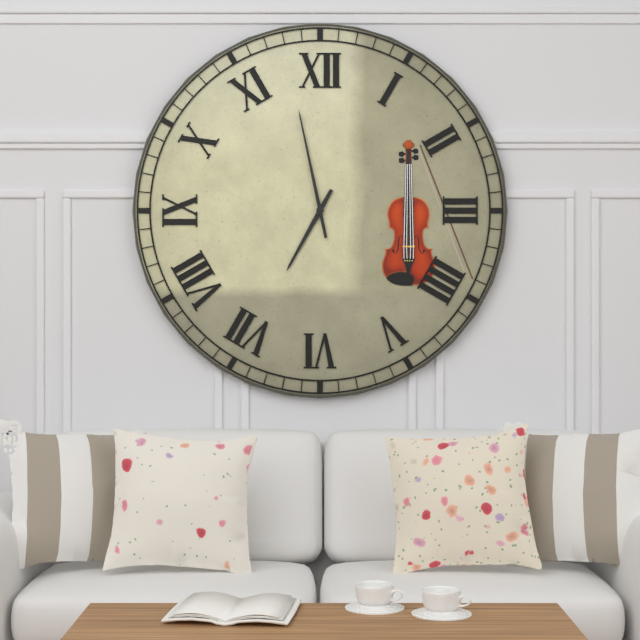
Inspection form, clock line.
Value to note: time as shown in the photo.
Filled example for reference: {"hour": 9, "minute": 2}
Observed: {"hour": 6, "minute": 58}
